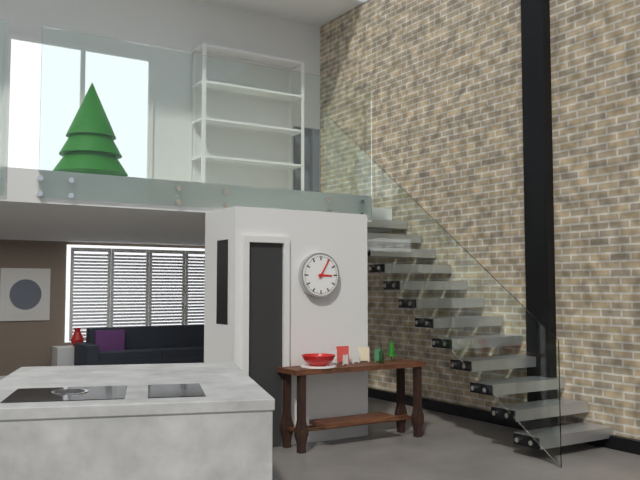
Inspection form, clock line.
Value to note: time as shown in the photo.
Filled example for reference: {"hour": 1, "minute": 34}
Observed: {"hour": 3, "minute": 5}
